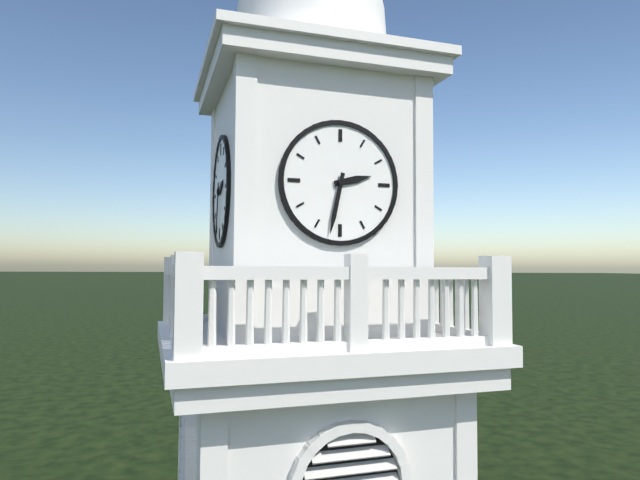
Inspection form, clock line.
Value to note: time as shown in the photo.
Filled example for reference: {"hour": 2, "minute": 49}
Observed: {"hour": 2, "minute": 32}
